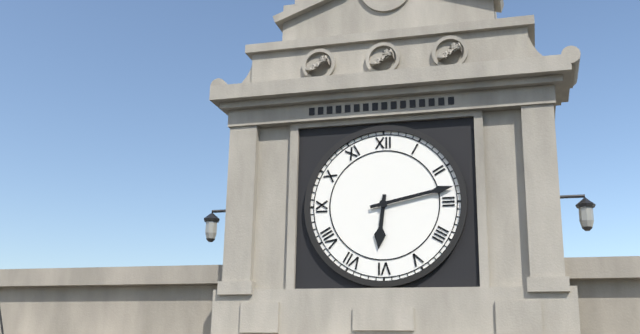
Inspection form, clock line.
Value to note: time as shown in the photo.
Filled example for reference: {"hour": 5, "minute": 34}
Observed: {"hour": 6, "minute": 13}
